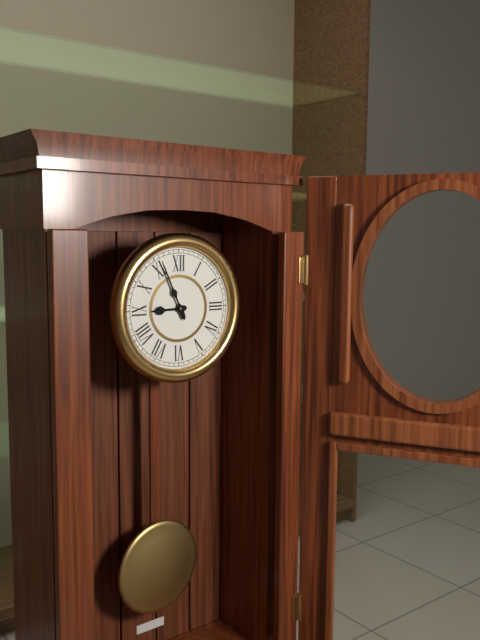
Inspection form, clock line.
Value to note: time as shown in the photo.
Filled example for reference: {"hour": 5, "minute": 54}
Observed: {"hour": 8, "minute": 56}
